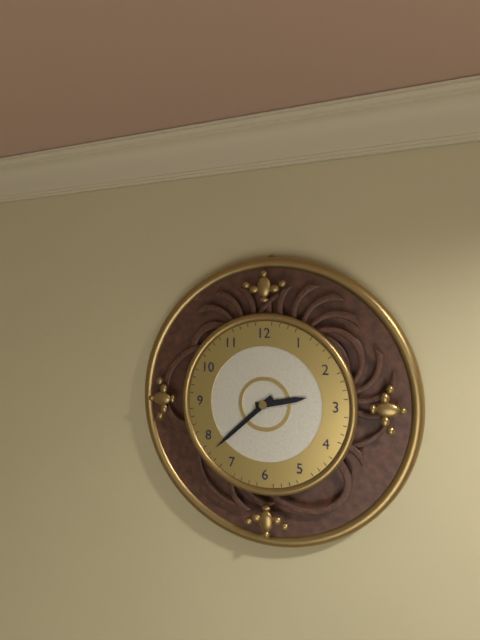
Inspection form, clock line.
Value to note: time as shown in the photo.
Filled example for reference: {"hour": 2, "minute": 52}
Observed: {"hour": 2, "minute": 38}
